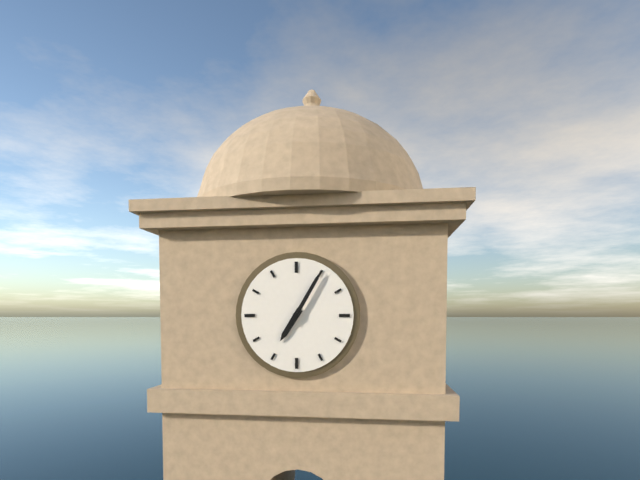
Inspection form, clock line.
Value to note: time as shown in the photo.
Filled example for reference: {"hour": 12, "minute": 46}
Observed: {"hour": 7, "minute": 5}
